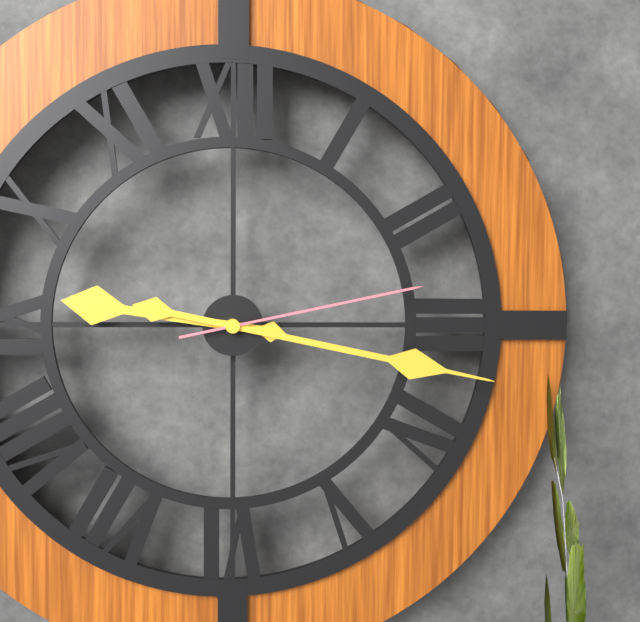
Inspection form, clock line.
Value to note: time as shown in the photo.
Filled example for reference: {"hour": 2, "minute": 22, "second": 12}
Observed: {"hour": 9, "minute": 17, "second": 13}
